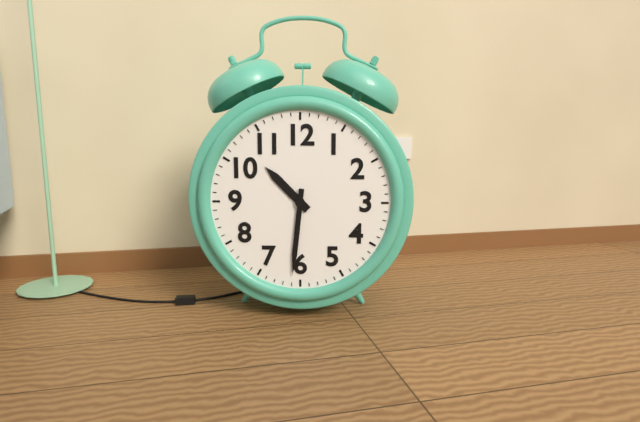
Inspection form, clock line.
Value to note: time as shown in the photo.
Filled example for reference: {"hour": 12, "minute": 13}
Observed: {"hour": 10, "minute": 31}
